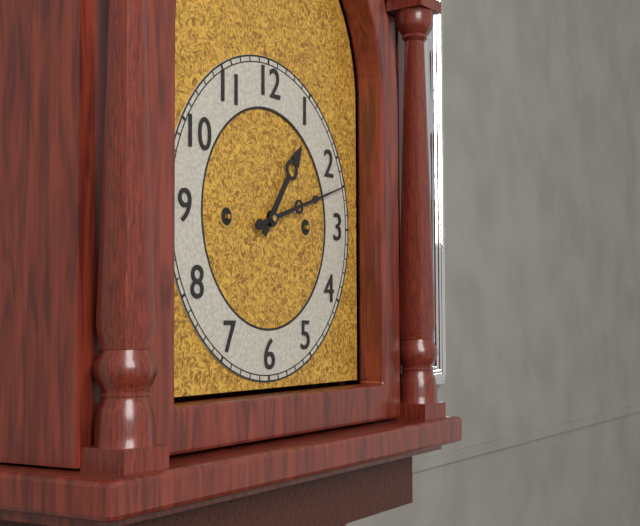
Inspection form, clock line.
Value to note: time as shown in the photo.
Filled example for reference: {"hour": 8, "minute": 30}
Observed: {"hour": 1, "minute": 12}
